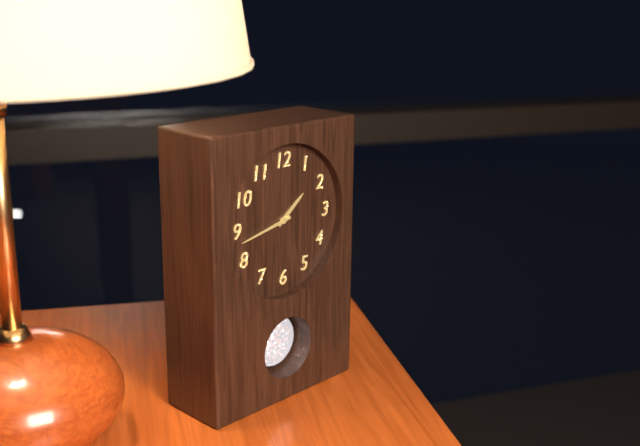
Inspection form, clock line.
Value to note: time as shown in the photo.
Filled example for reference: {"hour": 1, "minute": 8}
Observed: {"hour": 1, "minute": 43}
